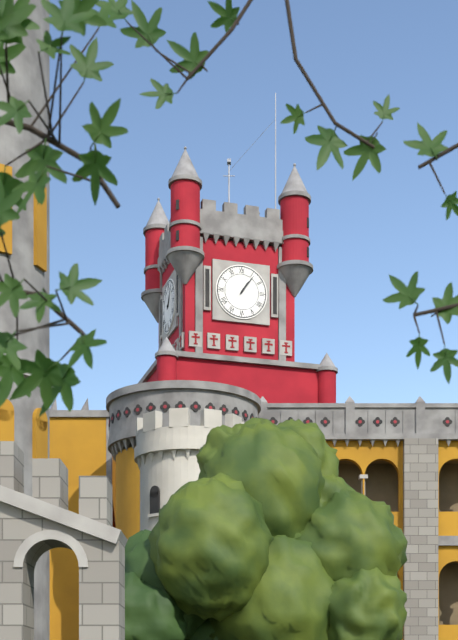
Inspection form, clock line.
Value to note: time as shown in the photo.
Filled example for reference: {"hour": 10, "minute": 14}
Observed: {"hour": 1, "minute": 6}
